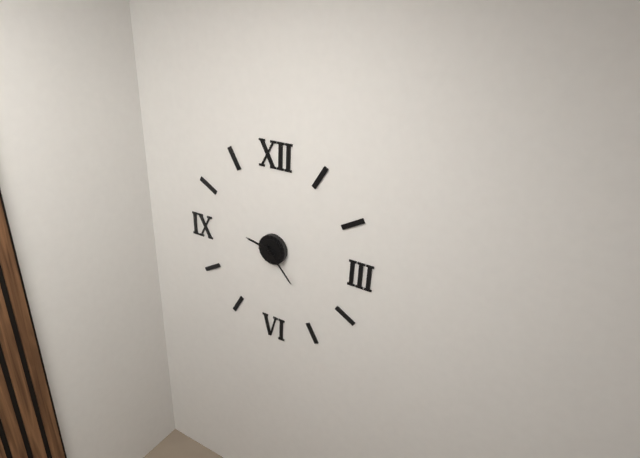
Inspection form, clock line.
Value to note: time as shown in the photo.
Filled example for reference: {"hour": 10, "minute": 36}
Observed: {"hour": 9, "minute": 23}
